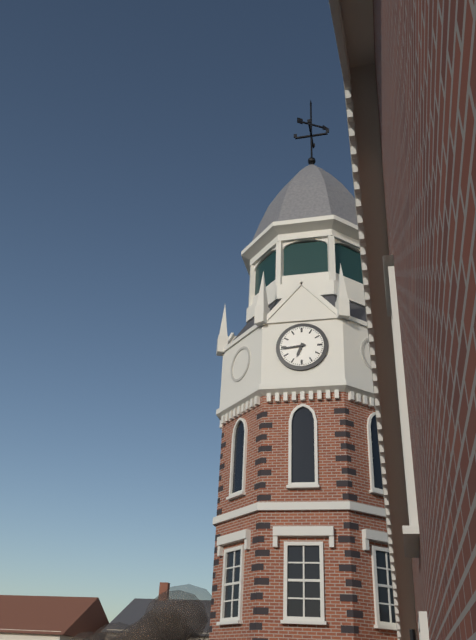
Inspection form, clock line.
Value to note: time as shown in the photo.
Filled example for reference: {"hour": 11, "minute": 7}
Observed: {"hour": 6, "minute": 44}
